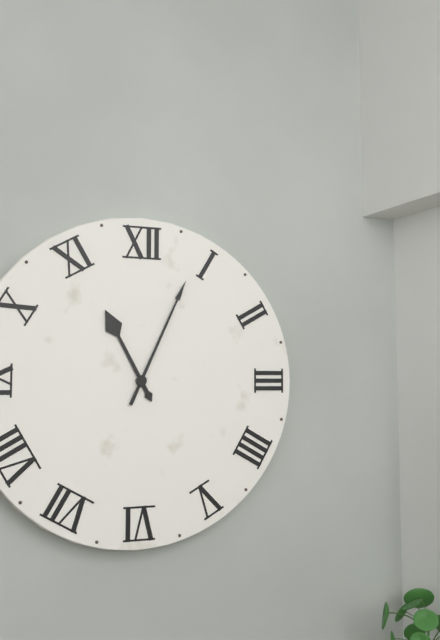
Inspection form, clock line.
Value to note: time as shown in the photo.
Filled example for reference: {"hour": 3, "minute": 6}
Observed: {"hour": 11, "minute": 4}
